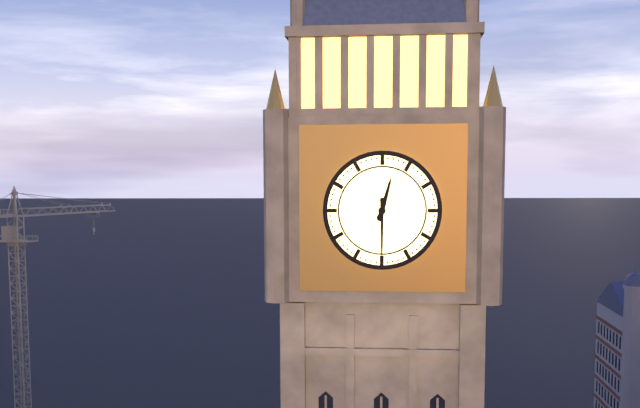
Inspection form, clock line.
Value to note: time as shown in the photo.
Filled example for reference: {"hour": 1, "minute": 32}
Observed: {"hour": 12, "minute": 30}
